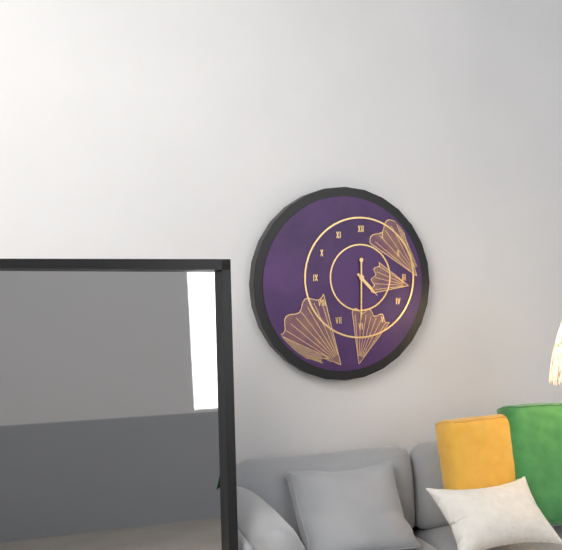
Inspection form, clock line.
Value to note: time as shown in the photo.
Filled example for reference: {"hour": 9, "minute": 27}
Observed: {"hour": 4, "minute": 30}
